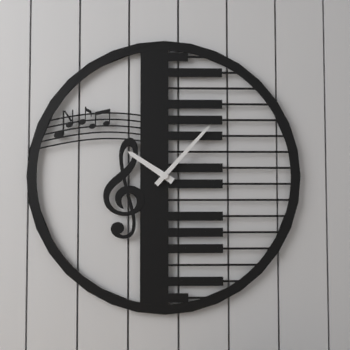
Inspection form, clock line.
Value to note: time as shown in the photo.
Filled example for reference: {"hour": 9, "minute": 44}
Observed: {"hour": 10, "minute": 7}
